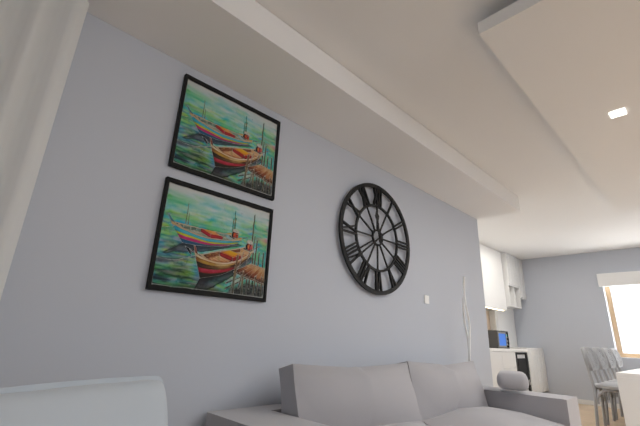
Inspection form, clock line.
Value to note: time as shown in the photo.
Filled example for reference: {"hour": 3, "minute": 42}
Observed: {"hour": 11, "minute": 39}
